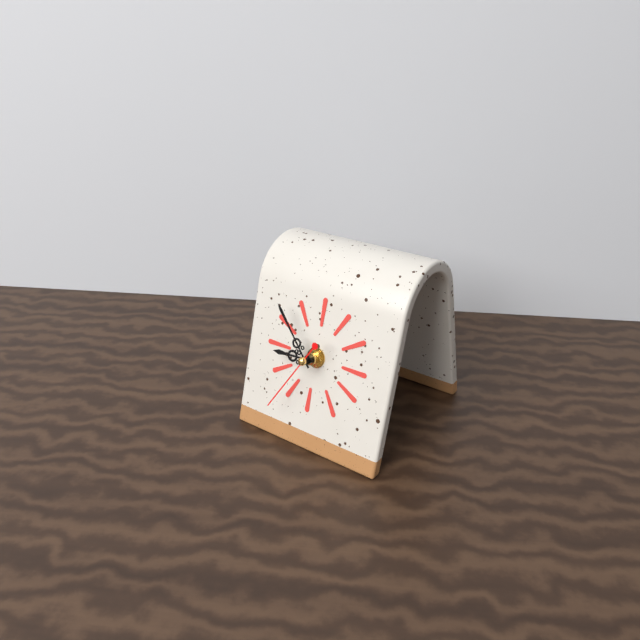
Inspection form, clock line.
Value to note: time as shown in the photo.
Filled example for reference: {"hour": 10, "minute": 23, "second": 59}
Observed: {"hour": 8, "minute": 53, "second": 35}
